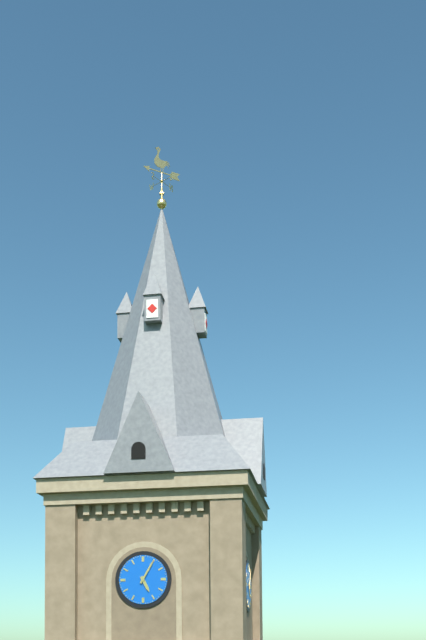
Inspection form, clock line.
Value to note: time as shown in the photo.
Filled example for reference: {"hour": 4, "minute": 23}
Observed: {"hour": 5, "minute": 5}
